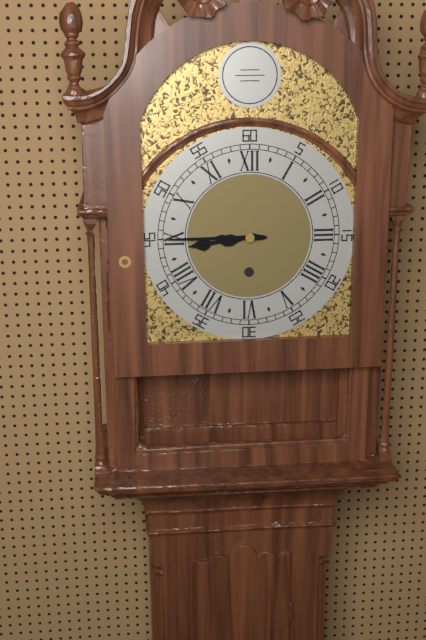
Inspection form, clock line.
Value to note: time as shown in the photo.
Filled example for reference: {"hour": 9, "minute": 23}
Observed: {"hour": 8, "minute": 45}
